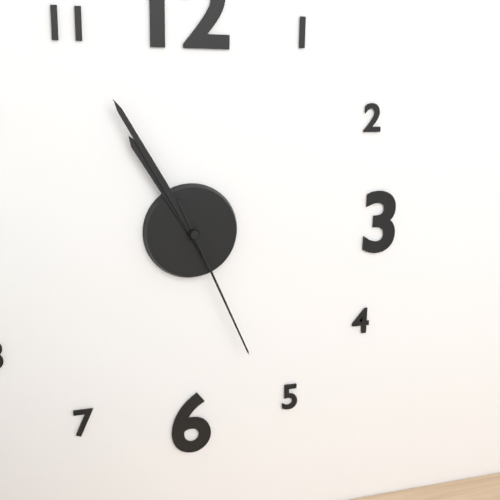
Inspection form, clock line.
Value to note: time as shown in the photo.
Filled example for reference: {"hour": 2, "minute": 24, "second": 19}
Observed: {"hour": 10, "minute": 55, "second": 26}
